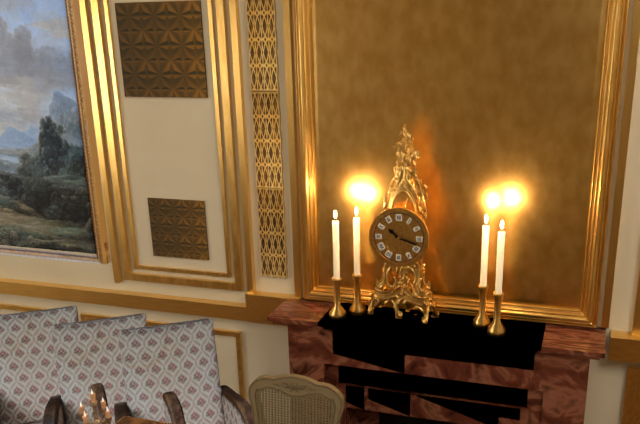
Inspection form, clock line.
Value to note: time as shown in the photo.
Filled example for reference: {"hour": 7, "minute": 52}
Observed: {"hour": 10, "minute": 18}
